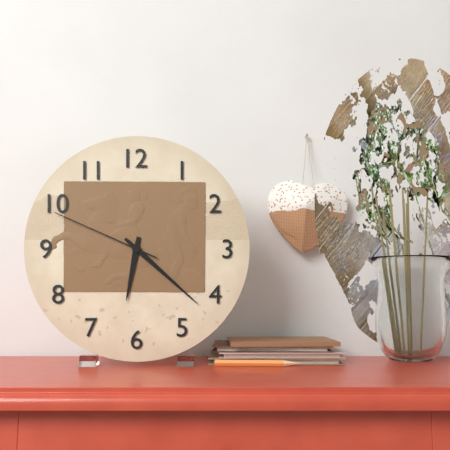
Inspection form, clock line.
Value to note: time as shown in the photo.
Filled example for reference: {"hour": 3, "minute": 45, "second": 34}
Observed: {"hour": 6, "minute": 22, "second": 49}
